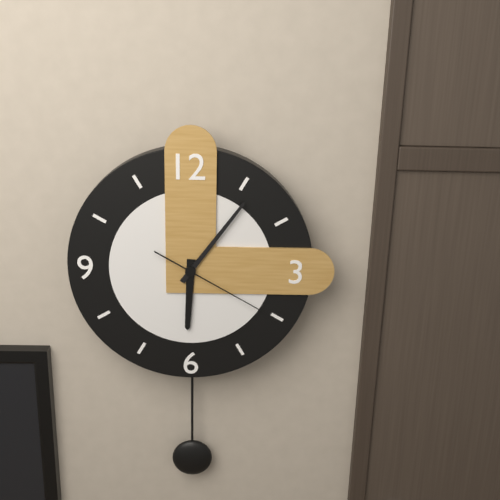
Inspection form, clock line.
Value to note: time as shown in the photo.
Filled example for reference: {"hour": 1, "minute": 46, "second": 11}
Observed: {"hour": 6, "minute": 6, "second": 20}
